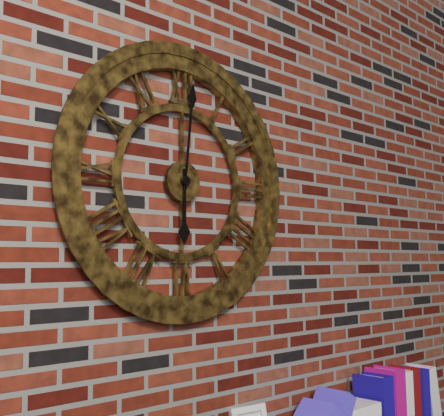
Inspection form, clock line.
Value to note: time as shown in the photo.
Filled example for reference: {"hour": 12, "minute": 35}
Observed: {"hour": 6, "minute": 1}
